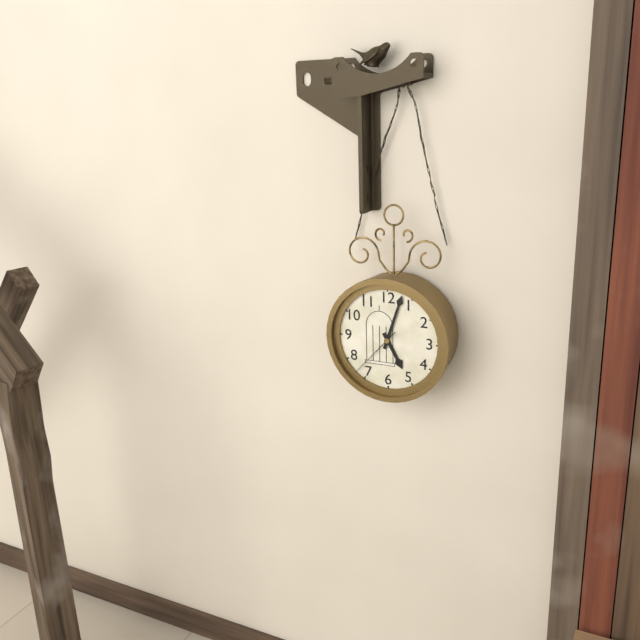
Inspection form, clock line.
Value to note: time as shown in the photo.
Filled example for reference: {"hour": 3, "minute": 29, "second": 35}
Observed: {"hour": 5, "minute": 3, "second": 37}
